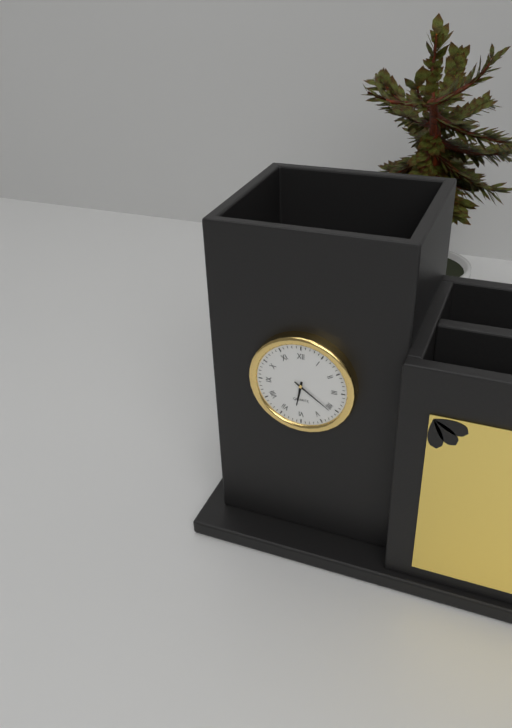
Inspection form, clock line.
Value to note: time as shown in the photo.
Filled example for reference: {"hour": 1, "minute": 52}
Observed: {"hour": 6, "minute": 21}
